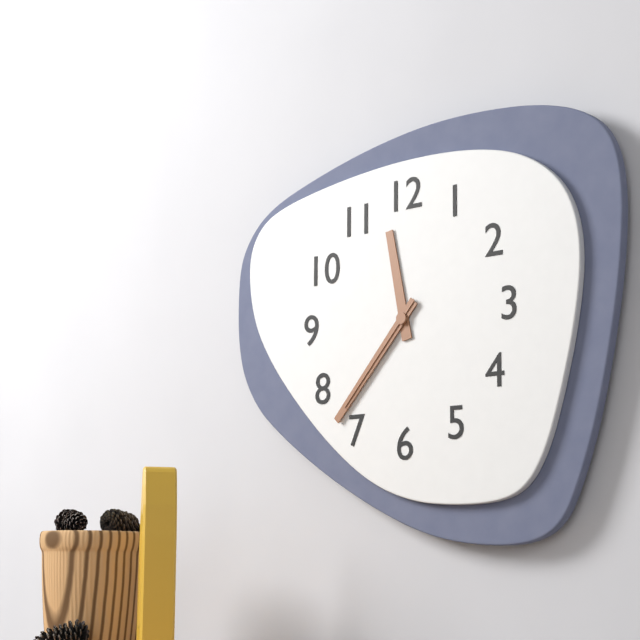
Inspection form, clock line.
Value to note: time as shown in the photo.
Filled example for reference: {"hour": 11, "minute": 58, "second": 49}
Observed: {"hour": 11, "minute": 37, "second": 37}
